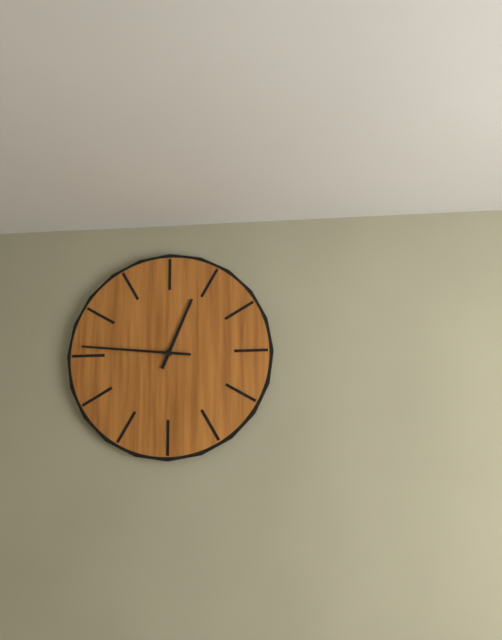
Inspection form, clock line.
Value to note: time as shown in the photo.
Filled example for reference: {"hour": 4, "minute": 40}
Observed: {"hour": 12, "minute": 46}
